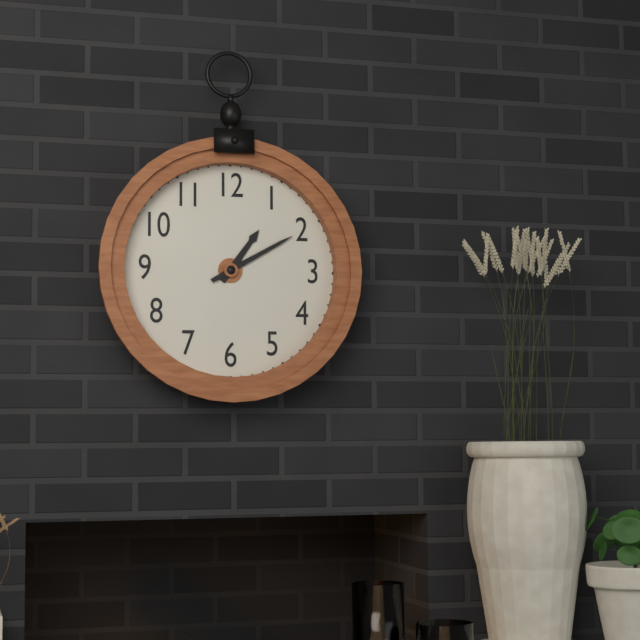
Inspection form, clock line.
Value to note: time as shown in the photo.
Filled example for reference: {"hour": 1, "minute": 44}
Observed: {"hour": 1, "minute": 10}
